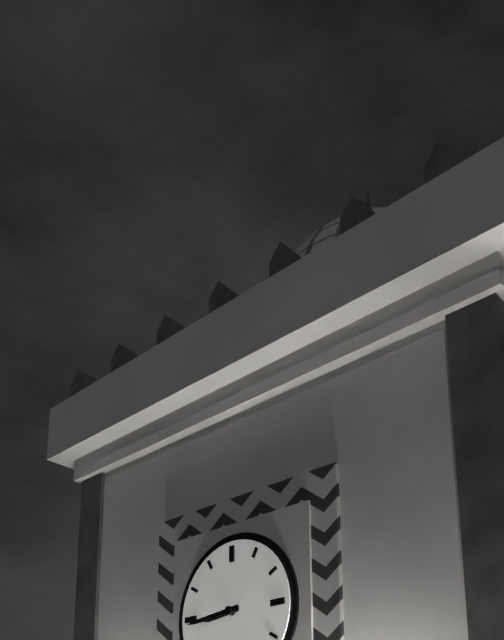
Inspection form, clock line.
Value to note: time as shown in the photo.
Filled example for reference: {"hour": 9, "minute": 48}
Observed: {"hour": 8, "minute": 44}
